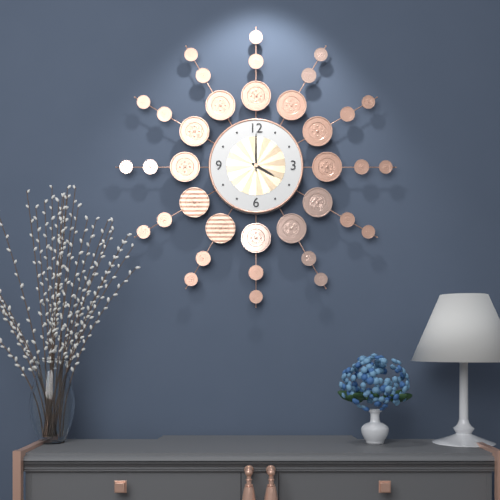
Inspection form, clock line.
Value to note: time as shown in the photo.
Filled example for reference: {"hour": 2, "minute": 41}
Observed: {"hour": 4, "minute": 0}
